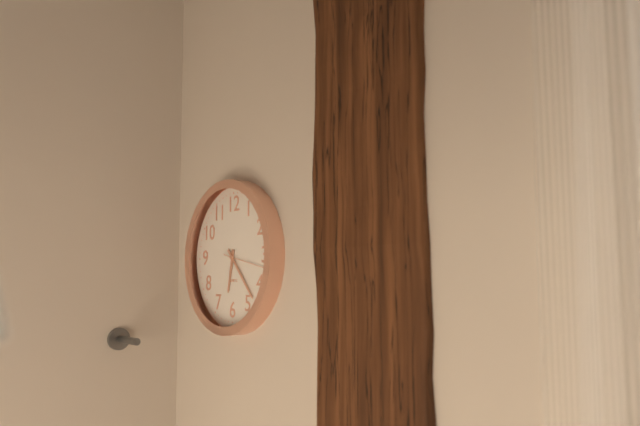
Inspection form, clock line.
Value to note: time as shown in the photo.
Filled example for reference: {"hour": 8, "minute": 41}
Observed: {"hour": 6, "minute": 23}
